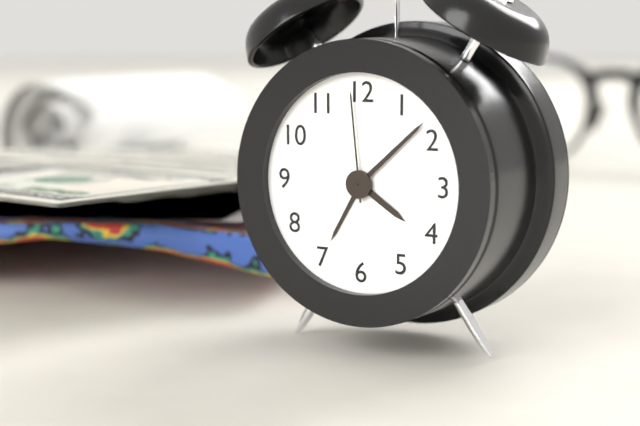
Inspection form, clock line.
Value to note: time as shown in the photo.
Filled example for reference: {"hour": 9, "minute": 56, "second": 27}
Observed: {"hour": 4, "minute": 8, "second": 59}
